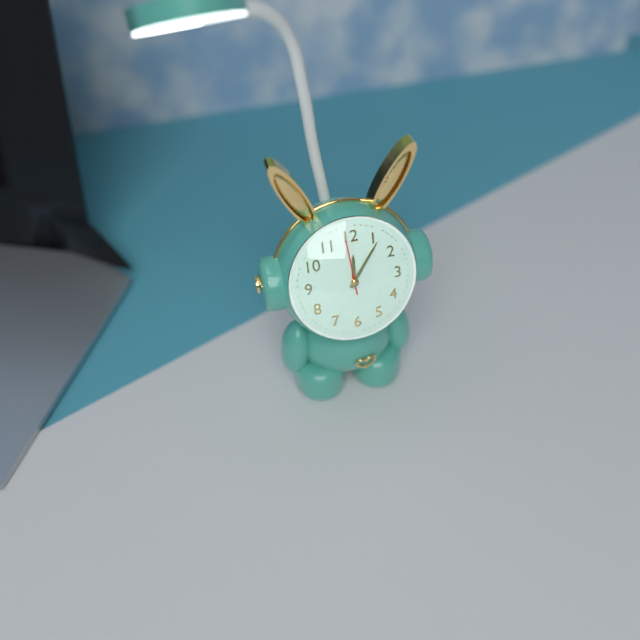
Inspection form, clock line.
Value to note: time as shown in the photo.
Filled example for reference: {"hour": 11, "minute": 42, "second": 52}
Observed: {"hour": 12, "minute": 6, "second": 59}
